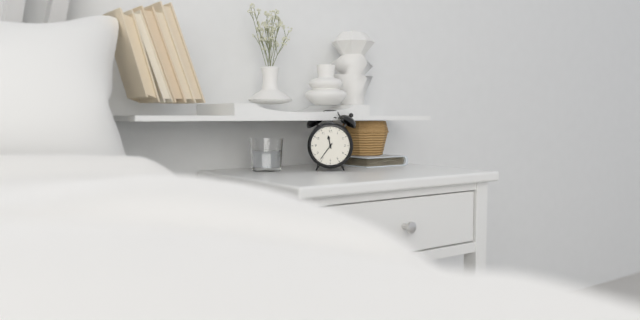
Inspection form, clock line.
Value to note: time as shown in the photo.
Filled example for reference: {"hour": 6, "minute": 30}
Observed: {"hour": 11, "minute": 36}
